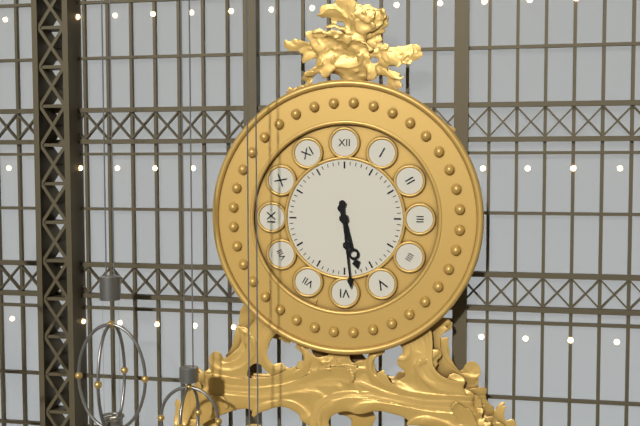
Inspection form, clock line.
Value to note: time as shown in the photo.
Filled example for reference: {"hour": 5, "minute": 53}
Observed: {"hour": 5, "minute": 29}
